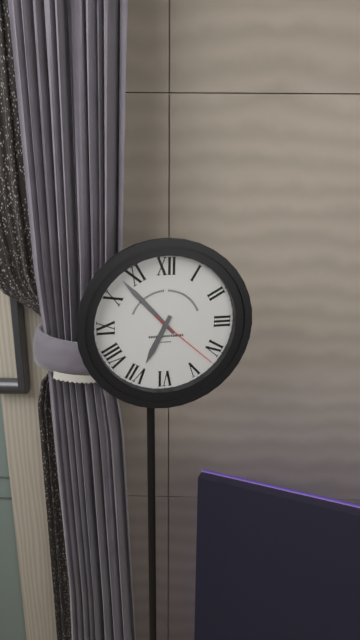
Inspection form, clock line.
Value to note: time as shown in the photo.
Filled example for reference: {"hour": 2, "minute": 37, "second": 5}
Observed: {"hour": 6, "minute": 53, "second": 22}
